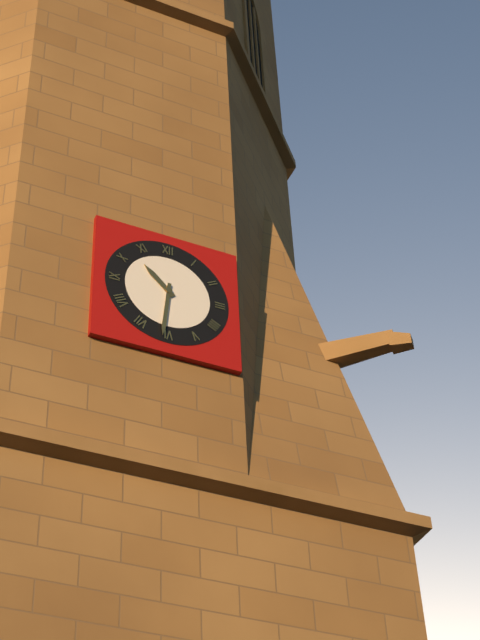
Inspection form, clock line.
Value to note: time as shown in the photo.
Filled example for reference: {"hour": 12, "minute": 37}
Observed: {"hour": 10, "minute": 31}
